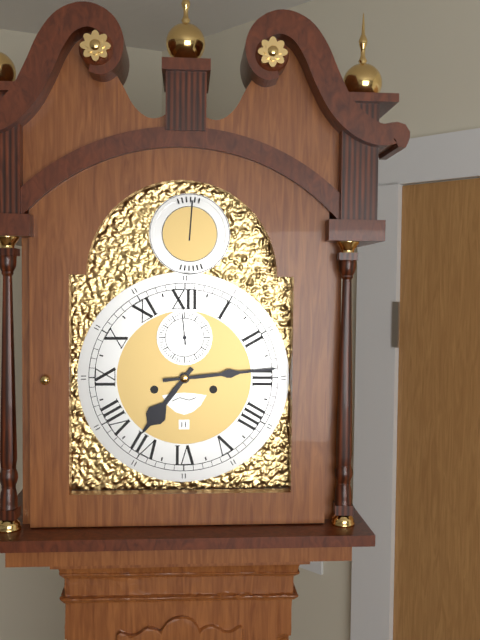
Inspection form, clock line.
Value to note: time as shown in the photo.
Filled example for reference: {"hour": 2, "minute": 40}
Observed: {"hour": 7, "minute": 14}
